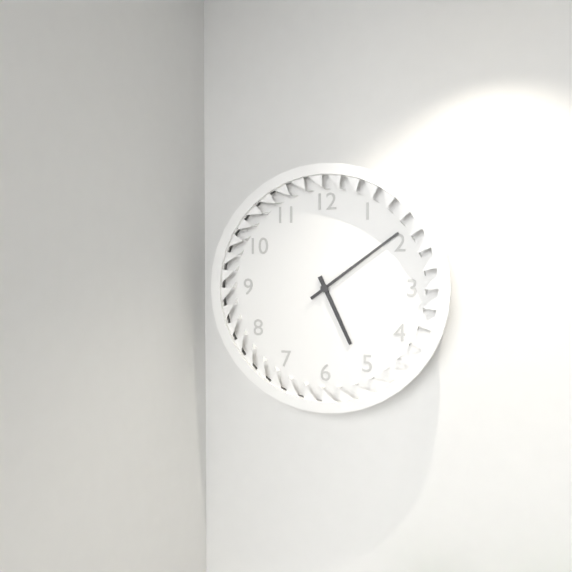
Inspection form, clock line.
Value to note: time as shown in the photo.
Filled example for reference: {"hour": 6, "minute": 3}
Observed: {"hour": 5, "minute": 9}
